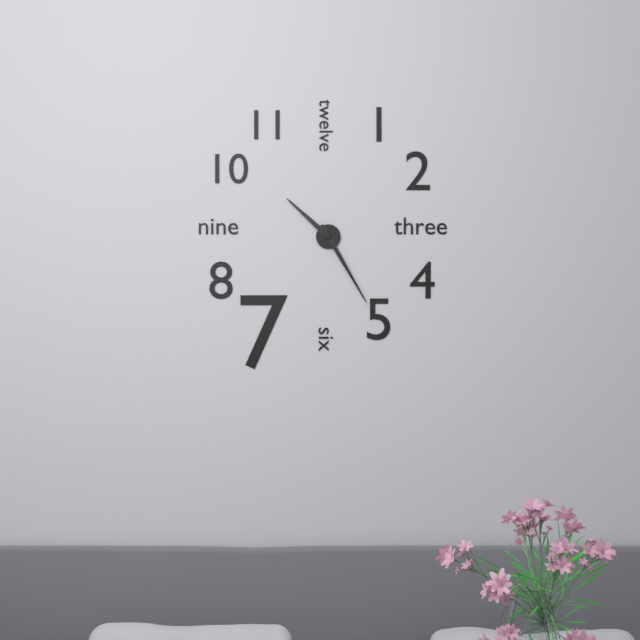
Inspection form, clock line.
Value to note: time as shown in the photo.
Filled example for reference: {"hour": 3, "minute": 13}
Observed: {"hour": 10, "minute": 25}
